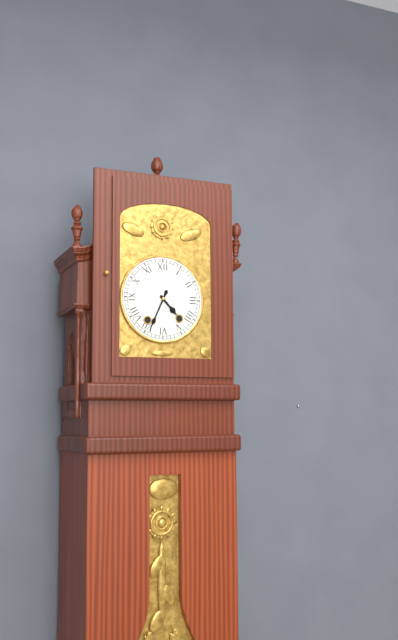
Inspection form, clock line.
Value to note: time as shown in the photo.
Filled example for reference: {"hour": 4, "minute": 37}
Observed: {"hour": 4, "minute": 34}
